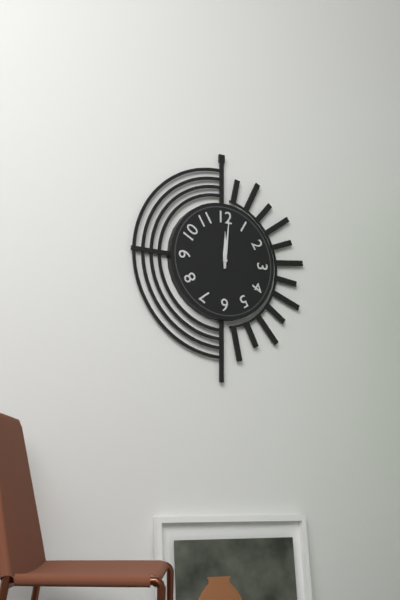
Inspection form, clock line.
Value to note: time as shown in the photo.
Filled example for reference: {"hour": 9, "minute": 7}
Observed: {"hour": 12, "minute": 1}
